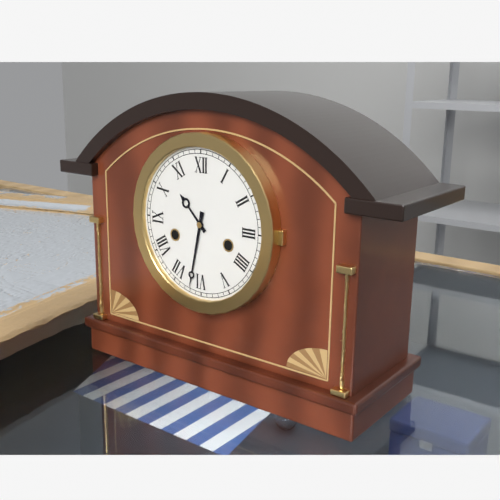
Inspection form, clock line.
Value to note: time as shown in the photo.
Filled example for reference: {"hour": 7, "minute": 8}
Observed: {"hour": 10, "minute": 32}
